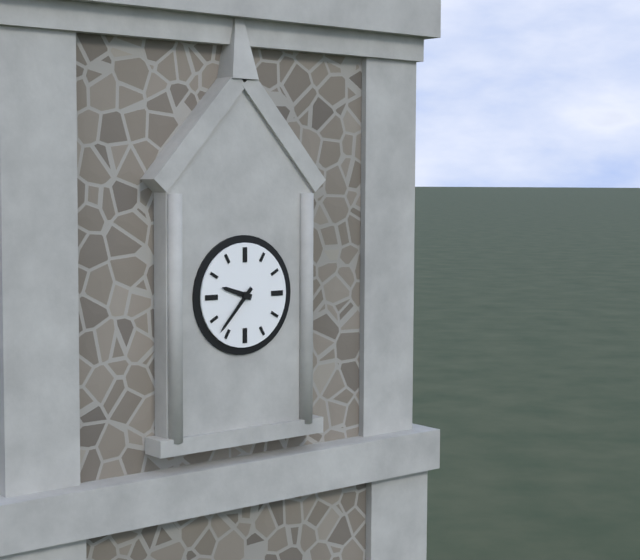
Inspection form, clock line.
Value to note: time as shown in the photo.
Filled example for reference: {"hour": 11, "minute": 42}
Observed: {"hour": 9, "minute": 37}
